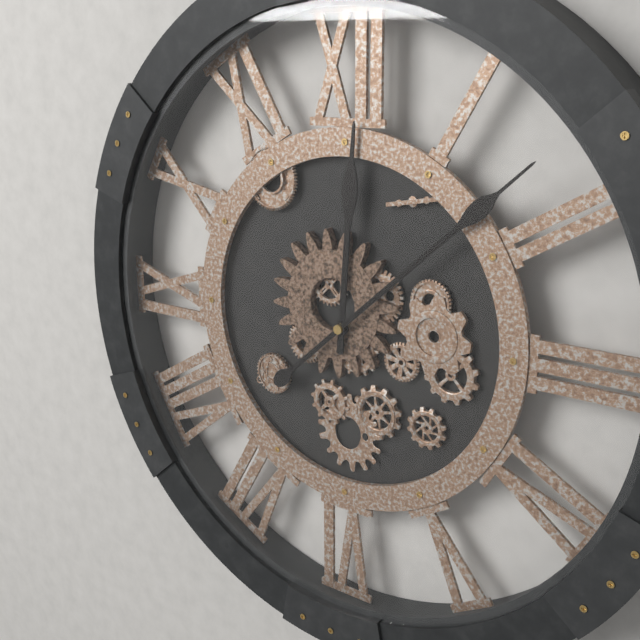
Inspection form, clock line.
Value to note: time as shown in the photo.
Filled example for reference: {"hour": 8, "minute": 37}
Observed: {"hour": 12, "minute": 8}
